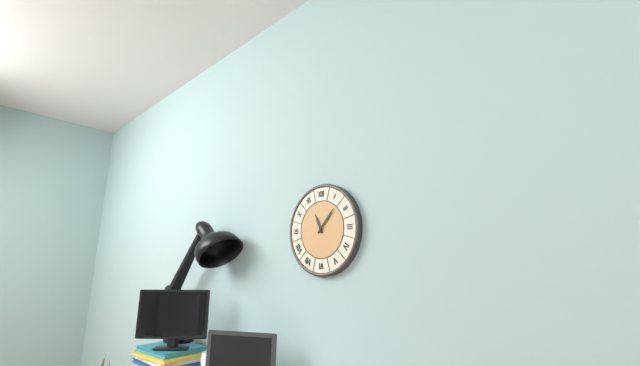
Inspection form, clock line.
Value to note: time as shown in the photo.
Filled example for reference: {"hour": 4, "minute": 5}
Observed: {"hour": 11, "minute": 7}
